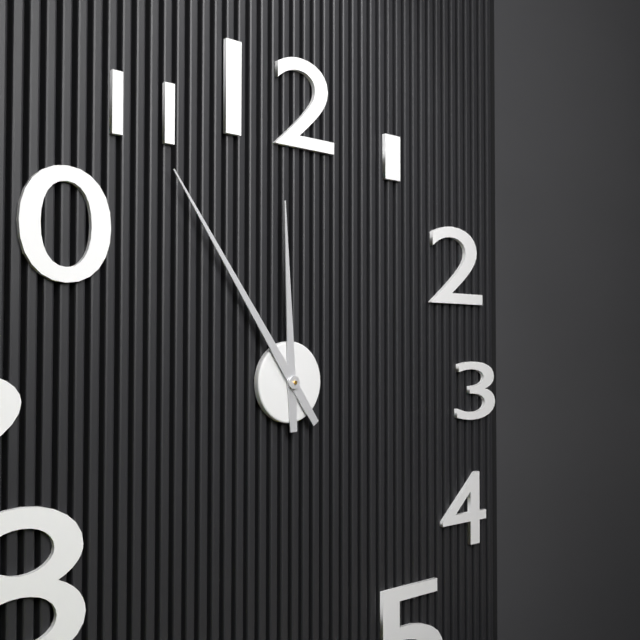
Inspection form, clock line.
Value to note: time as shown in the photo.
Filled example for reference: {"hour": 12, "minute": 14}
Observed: {"hour": 11, "minute": 54}
